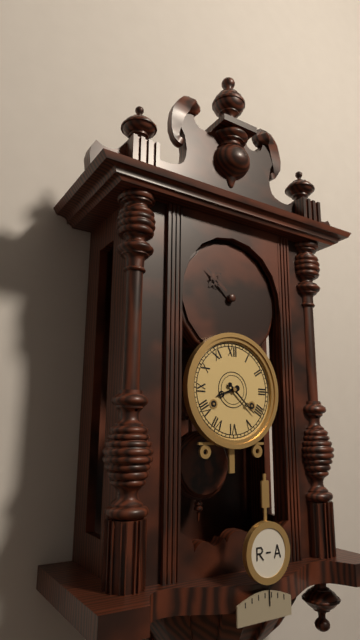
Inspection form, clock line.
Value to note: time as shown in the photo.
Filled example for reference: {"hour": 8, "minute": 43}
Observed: {"hour": 8, "minute": 22}
